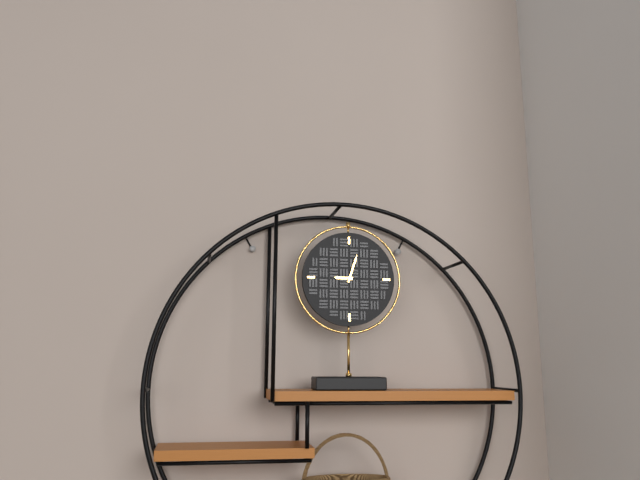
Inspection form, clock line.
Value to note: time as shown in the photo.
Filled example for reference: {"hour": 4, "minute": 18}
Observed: {"hour": 9, "minute": 3}
